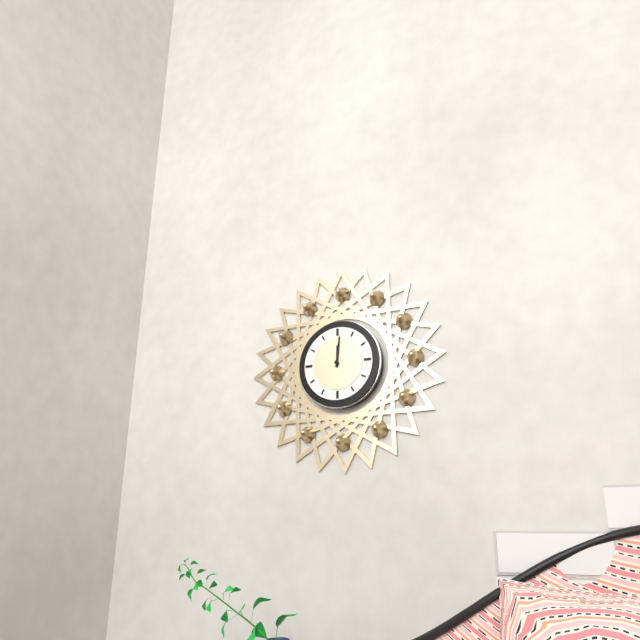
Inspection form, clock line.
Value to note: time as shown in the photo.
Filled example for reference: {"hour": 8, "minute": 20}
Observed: {"hour": 12, "minute": 1}
